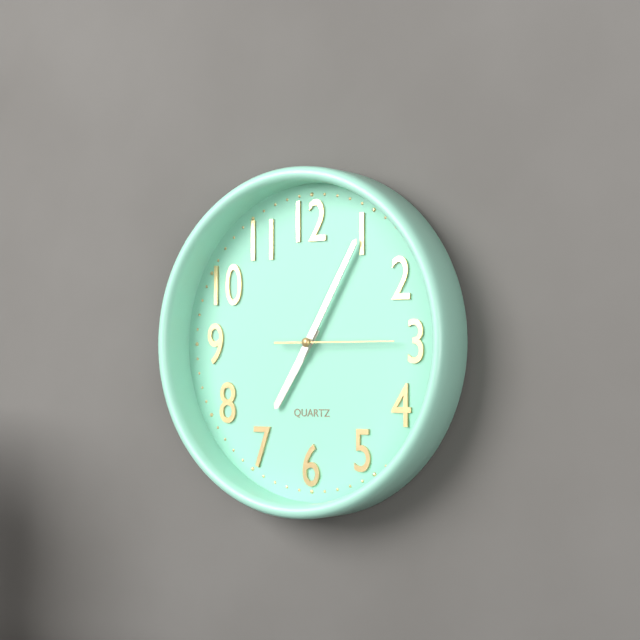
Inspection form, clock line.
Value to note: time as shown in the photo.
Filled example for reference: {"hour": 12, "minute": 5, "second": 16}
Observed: {"hour": 7, "minute": 5, "second": 15}
